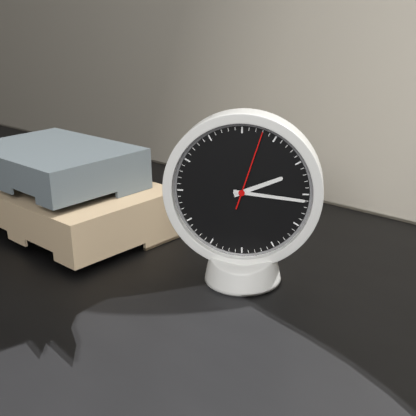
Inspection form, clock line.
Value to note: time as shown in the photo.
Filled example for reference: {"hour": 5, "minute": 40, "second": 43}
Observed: {"hour": 2, "minute": 16, "second": 3}
